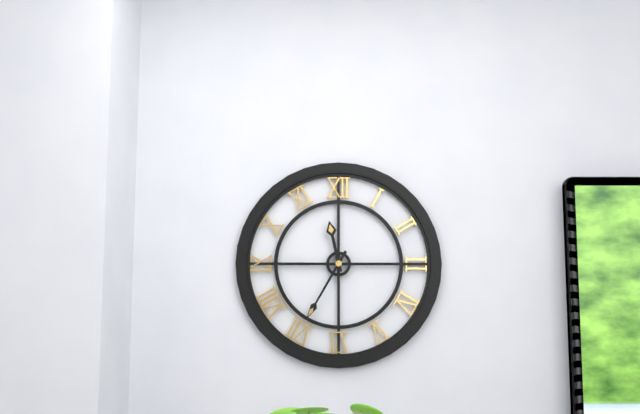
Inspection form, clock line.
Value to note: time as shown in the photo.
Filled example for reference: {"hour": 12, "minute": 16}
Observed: {"hour": 11, "minute": 35}
